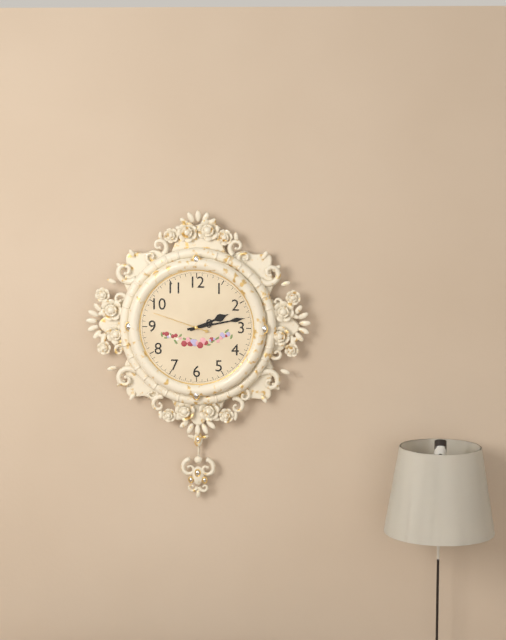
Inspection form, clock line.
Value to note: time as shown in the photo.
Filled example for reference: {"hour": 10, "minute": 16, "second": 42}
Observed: {"hour": 2, "minute": 13, "second": 48}
